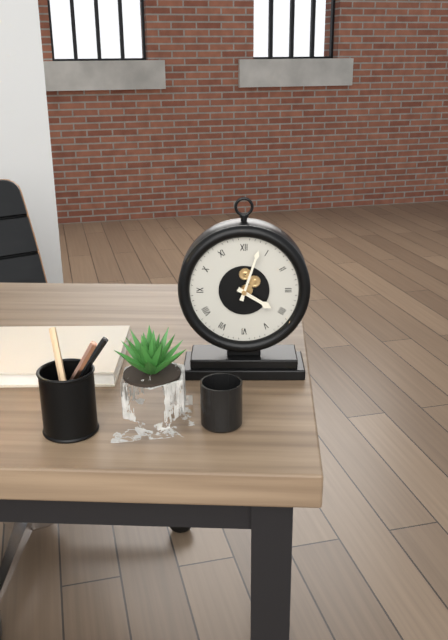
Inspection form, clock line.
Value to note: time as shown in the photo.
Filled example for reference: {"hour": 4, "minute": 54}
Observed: {"hour": 4, "minute": 3}
